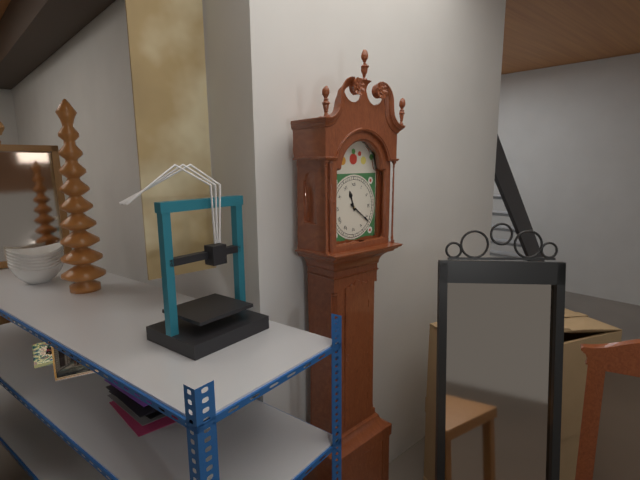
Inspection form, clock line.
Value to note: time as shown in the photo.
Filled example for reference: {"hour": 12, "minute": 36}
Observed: {"hour": 11, "minute": 21}
